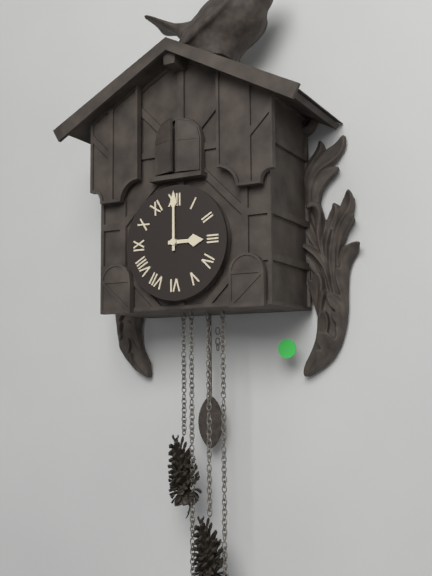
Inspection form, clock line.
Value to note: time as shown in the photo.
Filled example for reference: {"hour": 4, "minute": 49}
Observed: {"hour": 3, "minute": 0}
